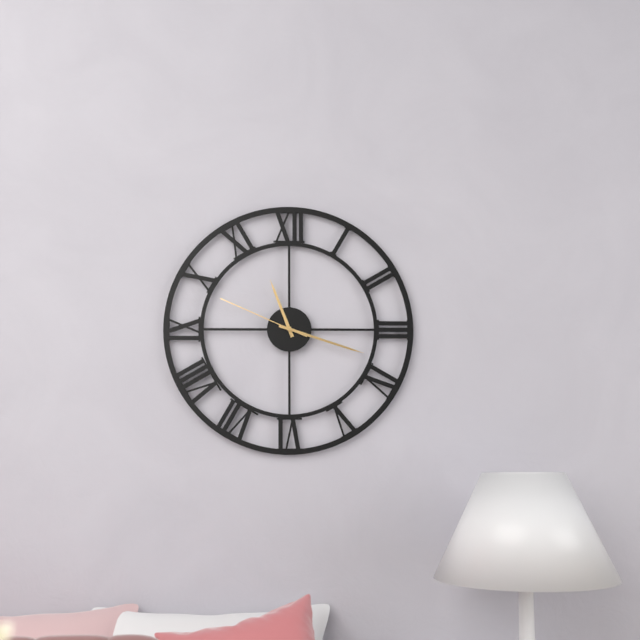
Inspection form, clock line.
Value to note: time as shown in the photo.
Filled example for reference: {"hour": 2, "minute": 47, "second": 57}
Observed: {"hour": 11, "minute": 18, "second": 49}
